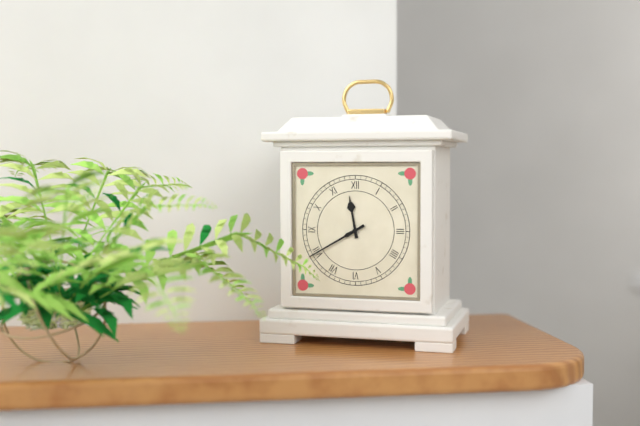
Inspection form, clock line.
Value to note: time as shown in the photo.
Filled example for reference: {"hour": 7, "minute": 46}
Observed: {"hour": 11, "minute": 40}
